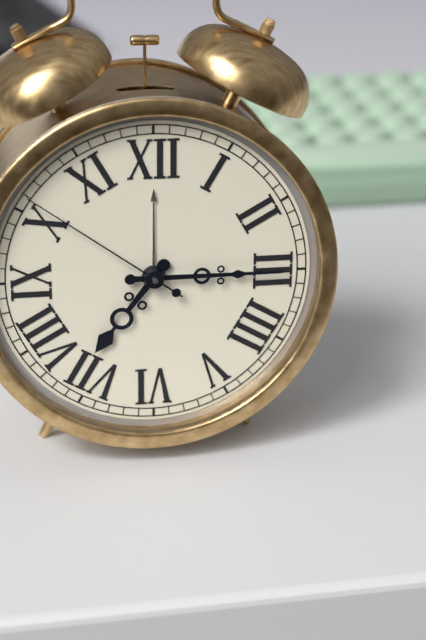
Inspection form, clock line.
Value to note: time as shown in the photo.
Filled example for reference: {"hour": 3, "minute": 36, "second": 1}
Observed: {"hour": 7, "minute": 15, "second": 51}
